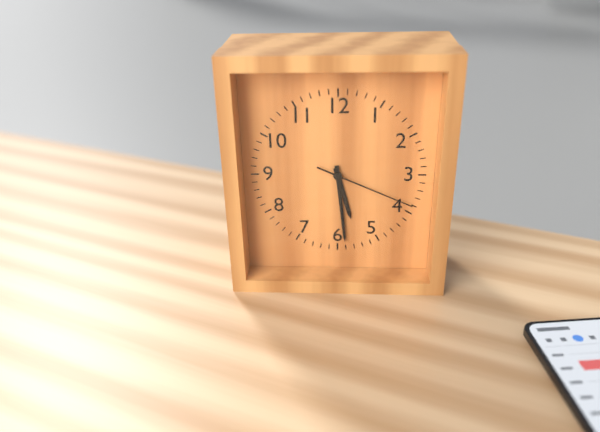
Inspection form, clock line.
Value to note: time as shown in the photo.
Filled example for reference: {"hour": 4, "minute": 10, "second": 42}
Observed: {"hour": 5, "minute": 29, "second": 19}
